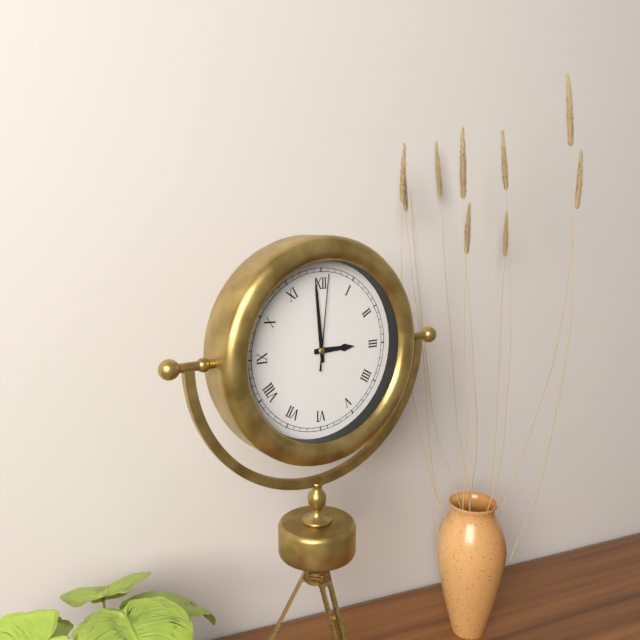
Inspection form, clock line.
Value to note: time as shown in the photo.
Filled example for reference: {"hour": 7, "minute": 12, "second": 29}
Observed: {"hour": 2, "minute": 59, "second": 1}
